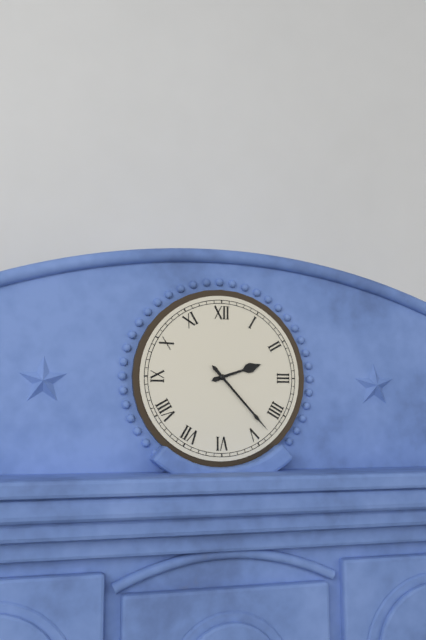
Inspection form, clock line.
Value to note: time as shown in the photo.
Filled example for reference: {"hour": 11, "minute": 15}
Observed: {"hour": 2, "minute": 23}
